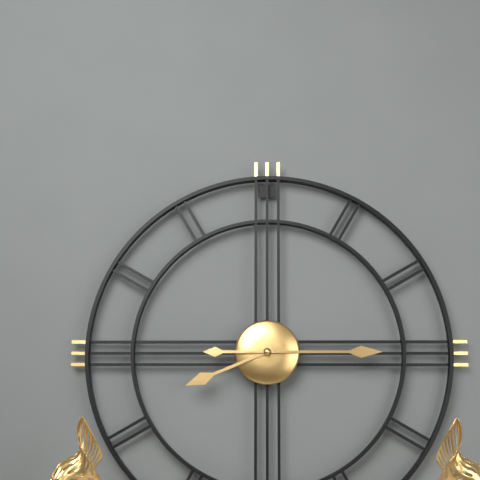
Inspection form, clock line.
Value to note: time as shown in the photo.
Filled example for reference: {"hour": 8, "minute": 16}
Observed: {"hour": 8, "minute": 15}
